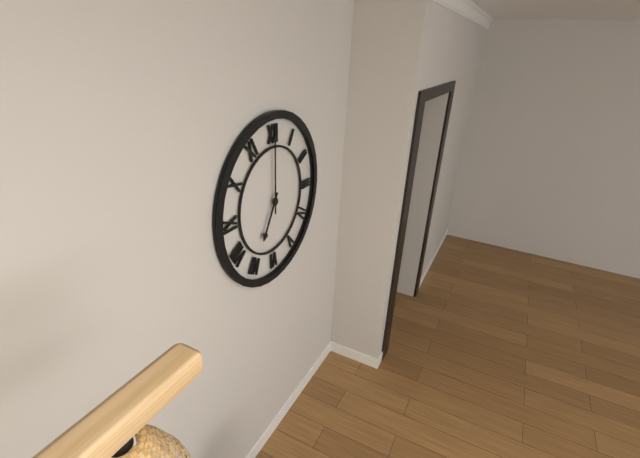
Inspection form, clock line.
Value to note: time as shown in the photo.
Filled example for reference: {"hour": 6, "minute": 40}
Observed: {"hour": 7, "minute": 0}
